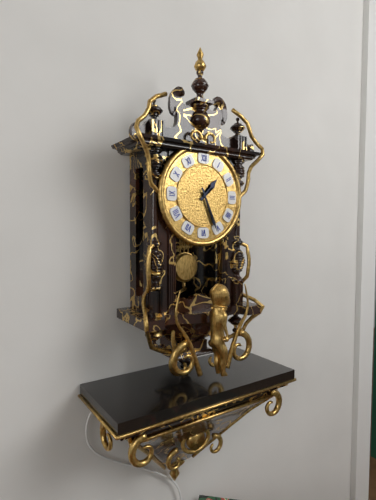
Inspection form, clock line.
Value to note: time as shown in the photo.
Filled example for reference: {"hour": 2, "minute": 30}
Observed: {"hour": 1, "minute": 26}
